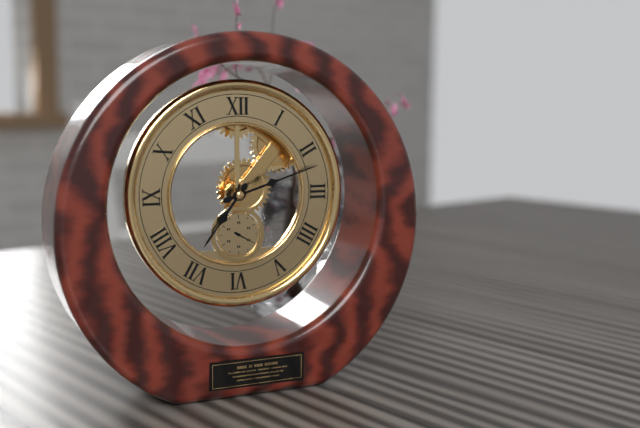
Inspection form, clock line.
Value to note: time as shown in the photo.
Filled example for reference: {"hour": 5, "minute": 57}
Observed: {"hour": 7, "minute": 12}
